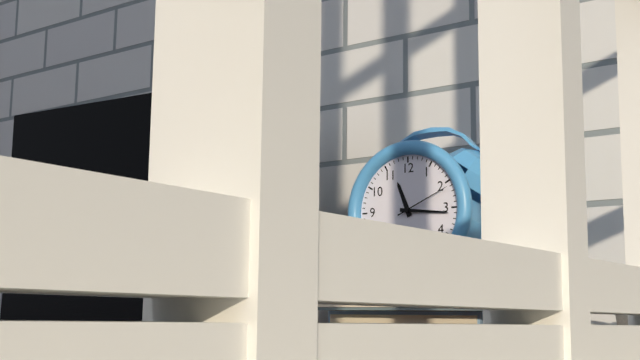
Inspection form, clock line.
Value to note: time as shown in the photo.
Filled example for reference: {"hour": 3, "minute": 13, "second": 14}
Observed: {"hour": 11, "minute": 16, "second": 11}
